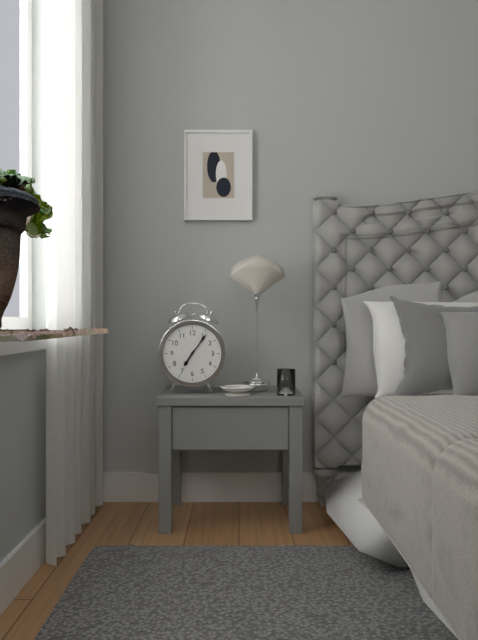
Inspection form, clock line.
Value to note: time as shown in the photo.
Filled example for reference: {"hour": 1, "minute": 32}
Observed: {"hour": 7, "minute": 6}
